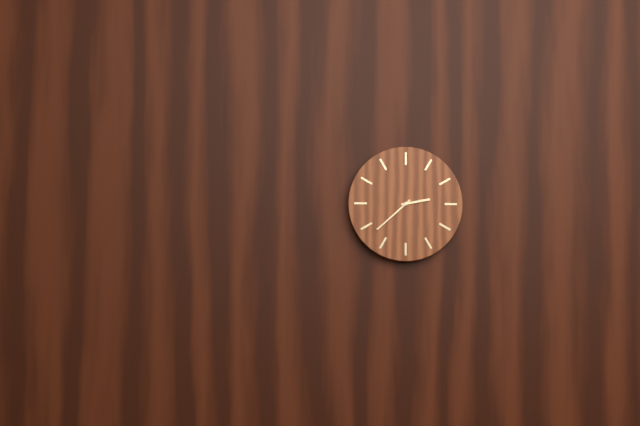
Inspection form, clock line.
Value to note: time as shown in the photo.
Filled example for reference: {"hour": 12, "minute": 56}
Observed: {"hour": 2, "minute": 38}
